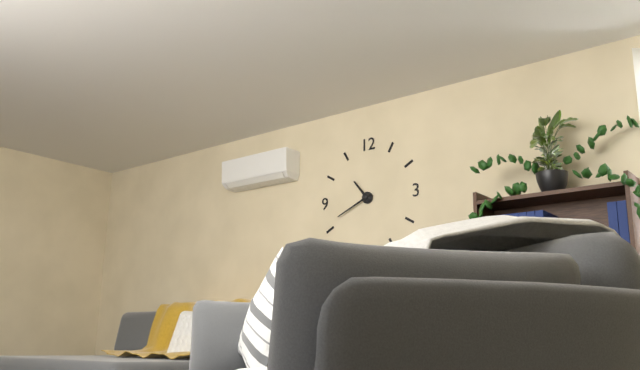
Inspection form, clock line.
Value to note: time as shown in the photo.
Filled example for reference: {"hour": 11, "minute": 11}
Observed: {"hour": 10, "minute": 41}
